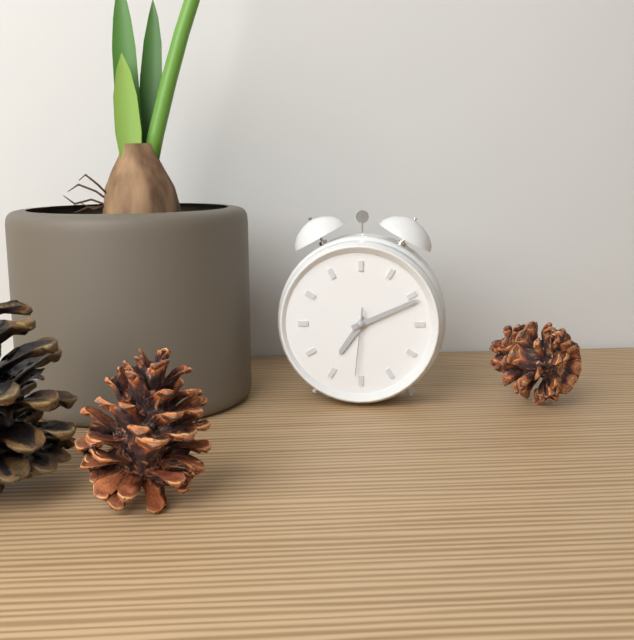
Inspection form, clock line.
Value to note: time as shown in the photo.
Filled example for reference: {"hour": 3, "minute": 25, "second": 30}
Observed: {"hour": 7, "minute": 11, "second": 31}
